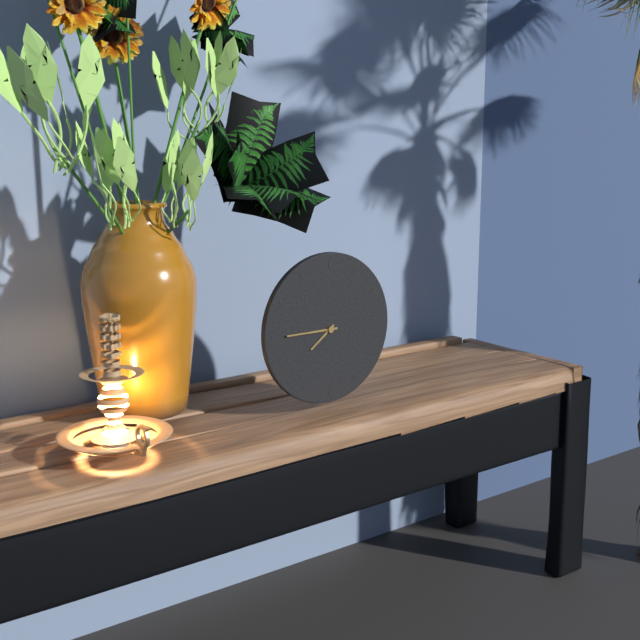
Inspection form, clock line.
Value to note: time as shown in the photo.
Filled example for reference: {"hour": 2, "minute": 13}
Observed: {"hour": 7, "minute": 45}
